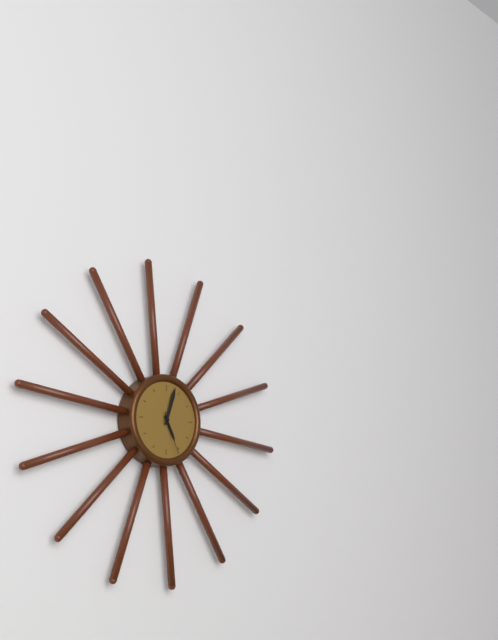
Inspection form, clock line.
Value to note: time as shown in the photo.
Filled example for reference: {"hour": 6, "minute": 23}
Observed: {"hour": 5, "minute": 3}
